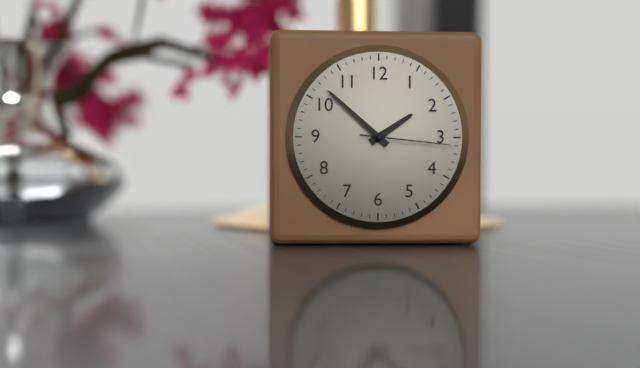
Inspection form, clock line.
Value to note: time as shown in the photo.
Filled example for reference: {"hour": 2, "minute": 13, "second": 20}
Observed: {"hour": 1, "minute": 52, "second": 16}
